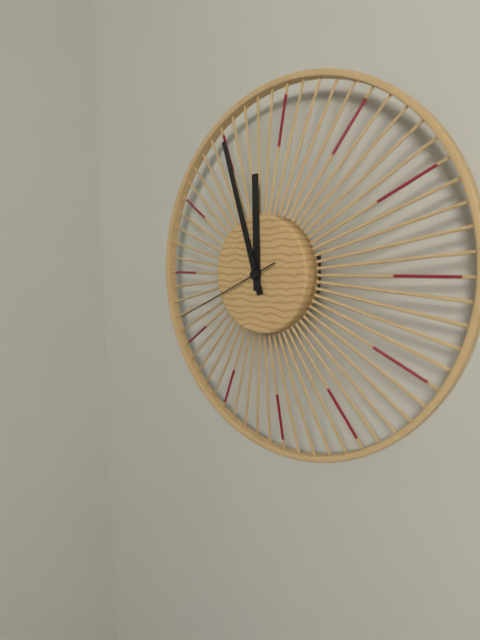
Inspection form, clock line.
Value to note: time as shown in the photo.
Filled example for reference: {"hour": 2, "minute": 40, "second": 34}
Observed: {"hour": 11, "minute": 57, "second": 41}
